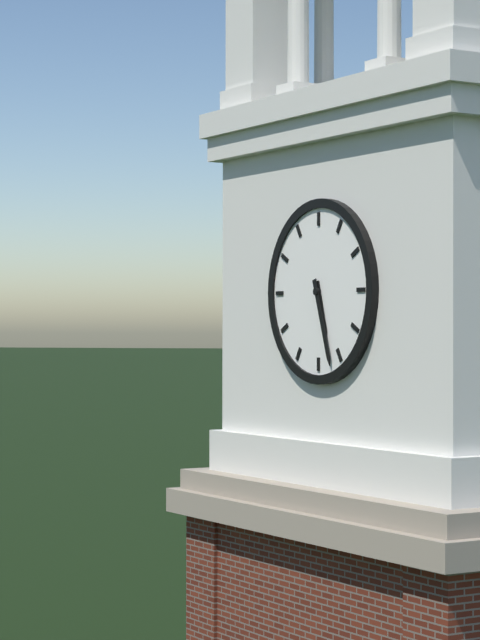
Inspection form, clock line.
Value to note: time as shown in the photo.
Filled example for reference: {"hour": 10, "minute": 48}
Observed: {"hour": 5, "minute": 27}
